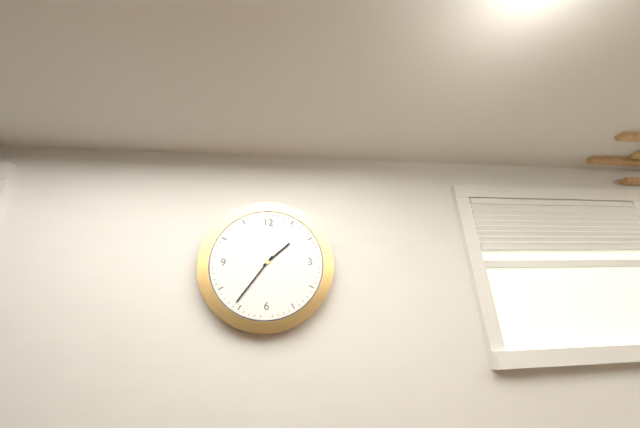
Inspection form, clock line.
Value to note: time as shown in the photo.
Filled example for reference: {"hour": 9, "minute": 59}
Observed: {"hour": 1, "minute": 36}
